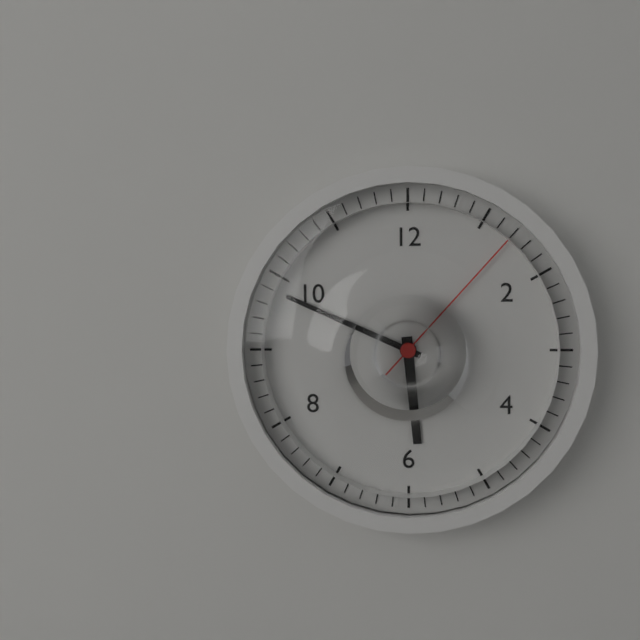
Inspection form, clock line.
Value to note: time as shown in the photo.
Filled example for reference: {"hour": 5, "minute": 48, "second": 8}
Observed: {"hour": 5, "minute": 49, "second": 7}
